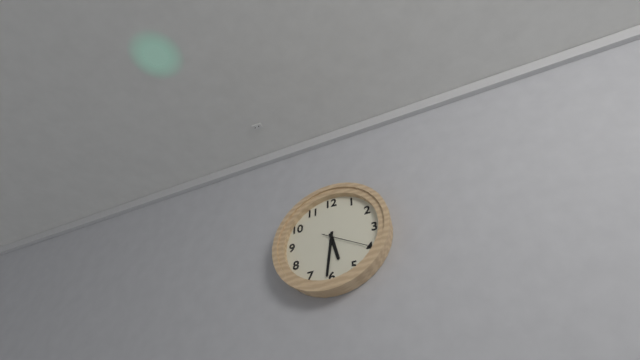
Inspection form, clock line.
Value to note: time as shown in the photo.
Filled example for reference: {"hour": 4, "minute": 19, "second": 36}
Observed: {"hour": 5, "minute": 31, "second": 20}
